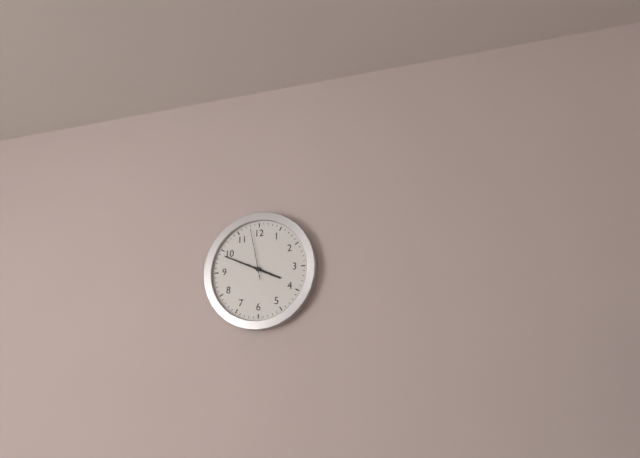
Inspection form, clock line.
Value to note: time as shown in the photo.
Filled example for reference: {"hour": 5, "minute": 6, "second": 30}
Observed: {"hour": 3, "minute": 49, "second": 58}
